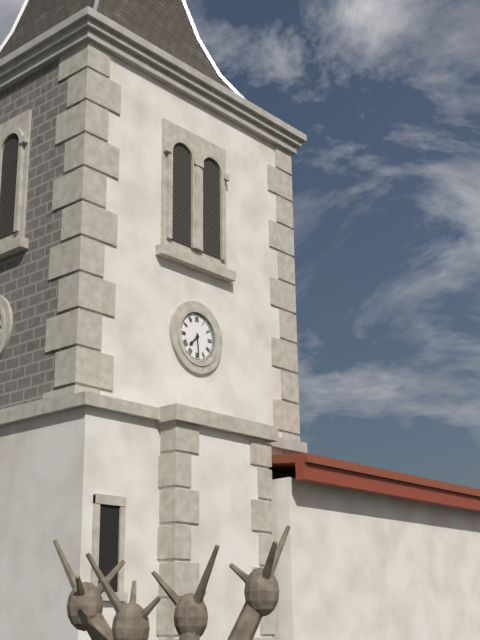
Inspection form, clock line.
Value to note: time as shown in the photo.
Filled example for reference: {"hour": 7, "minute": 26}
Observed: {"hour": 7, "minute": 29}
